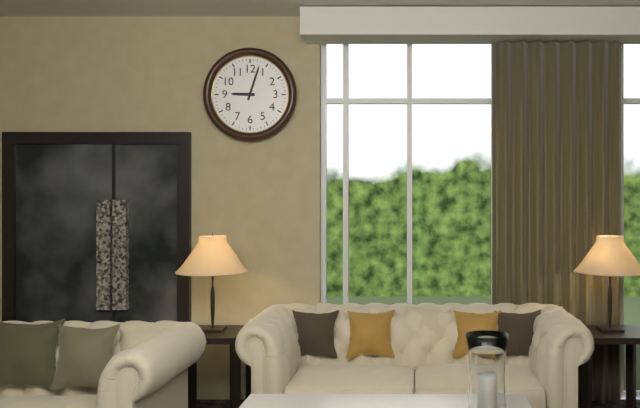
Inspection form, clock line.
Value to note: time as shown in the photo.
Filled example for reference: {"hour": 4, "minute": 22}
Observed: {"hour": 9, "minute": 3}
